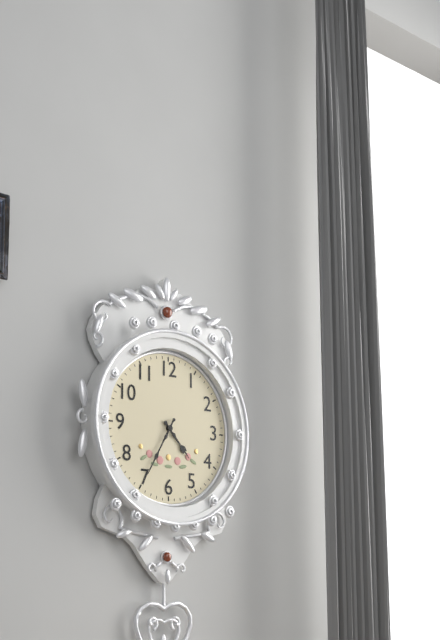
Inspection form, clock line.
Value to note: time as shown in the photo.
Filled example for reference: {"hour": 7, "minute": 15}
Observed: {"hour": 4, "minute": 35}
